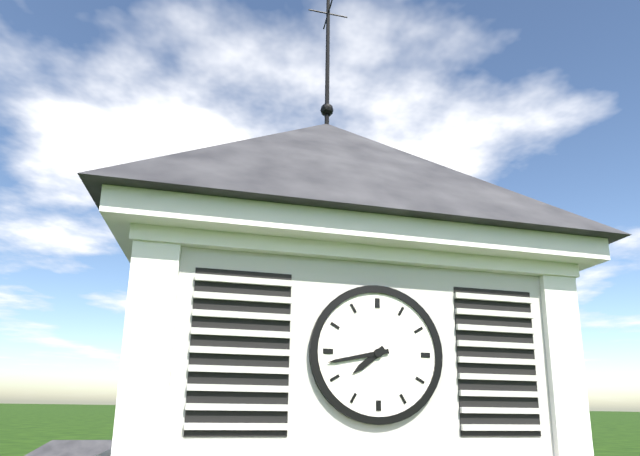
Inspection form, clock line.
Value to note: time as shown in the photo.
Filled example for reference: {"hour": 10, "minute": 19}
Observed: {"hour": 7, "minute": 43}
